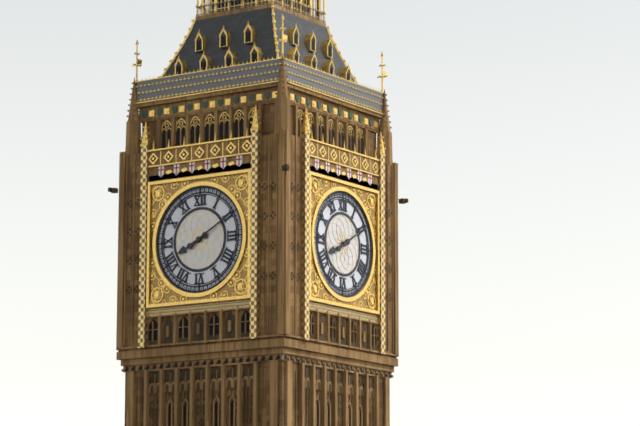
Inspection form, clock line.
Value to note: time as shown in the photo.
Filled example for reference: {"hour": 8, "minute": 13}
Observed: {"hour": 8, "minute": 10}
